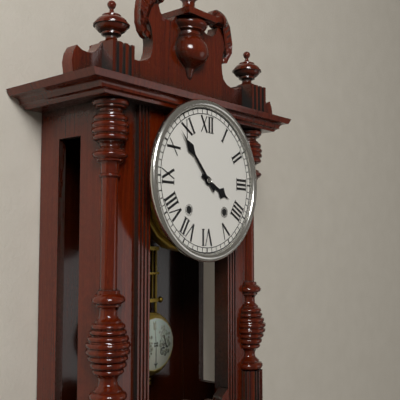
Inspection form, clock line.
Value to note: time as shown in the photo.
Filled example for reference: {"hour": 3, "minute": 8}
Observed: {"hour": 3, "minute": 53}
